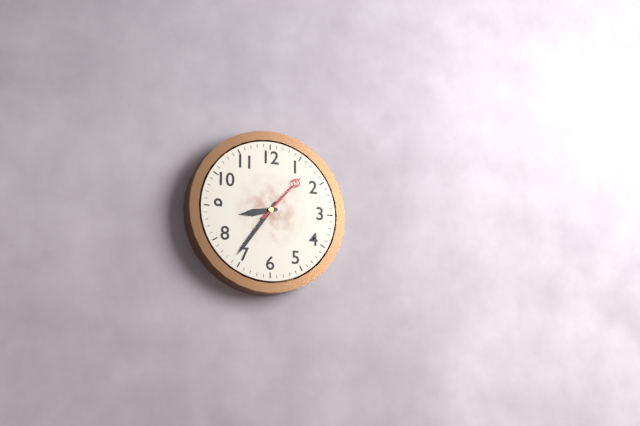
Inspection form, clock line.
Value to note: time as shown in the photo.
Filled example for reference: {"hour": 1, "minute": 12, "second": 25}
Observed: {"hour": 8, "minute": 36, "second": 7}
